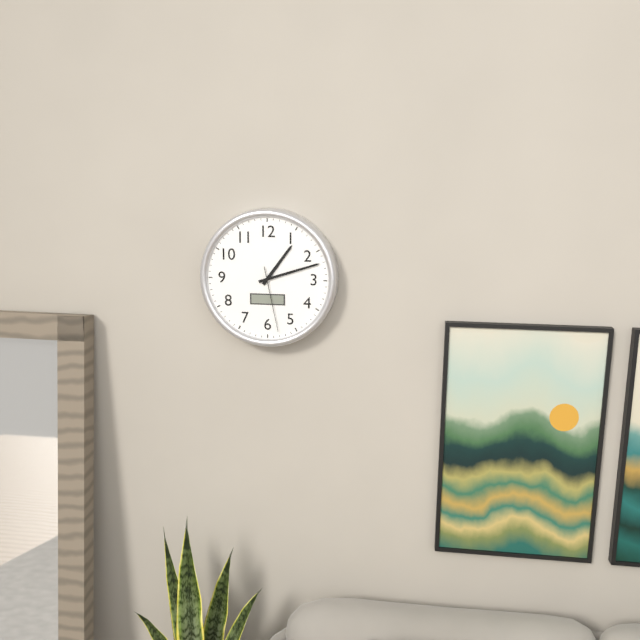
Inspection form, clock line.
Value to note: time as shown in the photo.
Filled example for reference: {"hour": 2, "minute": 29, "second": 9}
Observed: {"hour": 1, "minute": 12, "second": 28}
